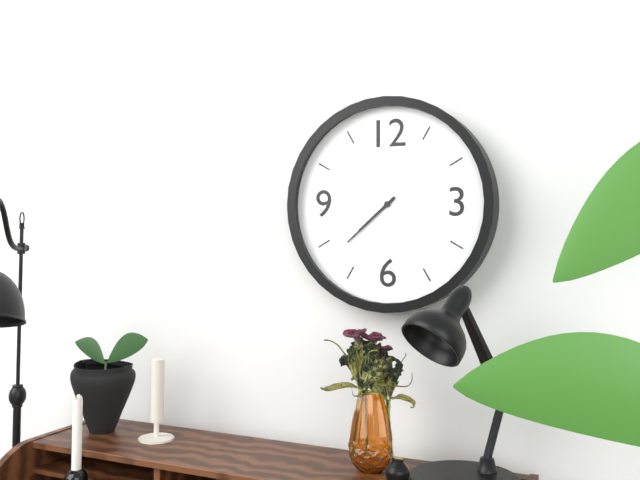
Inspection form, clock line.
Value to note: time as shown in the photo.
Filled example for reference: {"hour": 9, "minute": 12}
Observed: {"hour": 7, "minute": 38}
